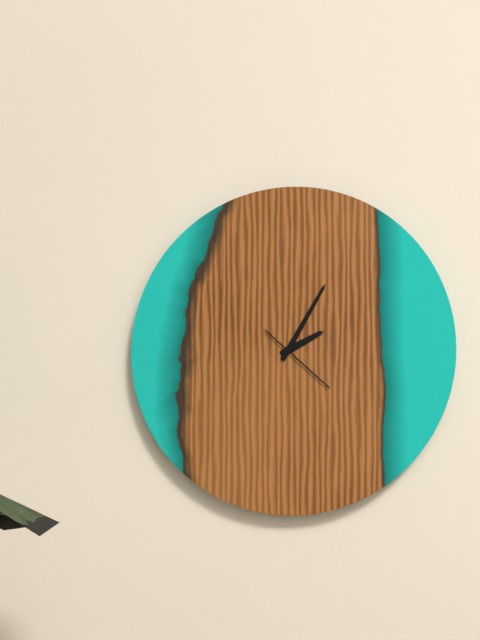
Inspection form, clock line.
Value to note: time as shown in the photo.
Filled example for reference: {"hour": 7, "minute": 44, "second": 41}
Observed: {"hour": 2, "minute": 5, "second": 22}
